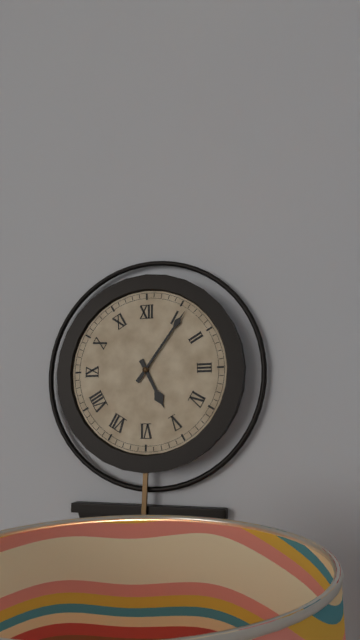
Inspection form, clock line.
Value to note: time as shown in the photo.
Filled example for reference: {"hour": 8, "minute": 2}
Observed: {"hour": 5, "minute": 6}
